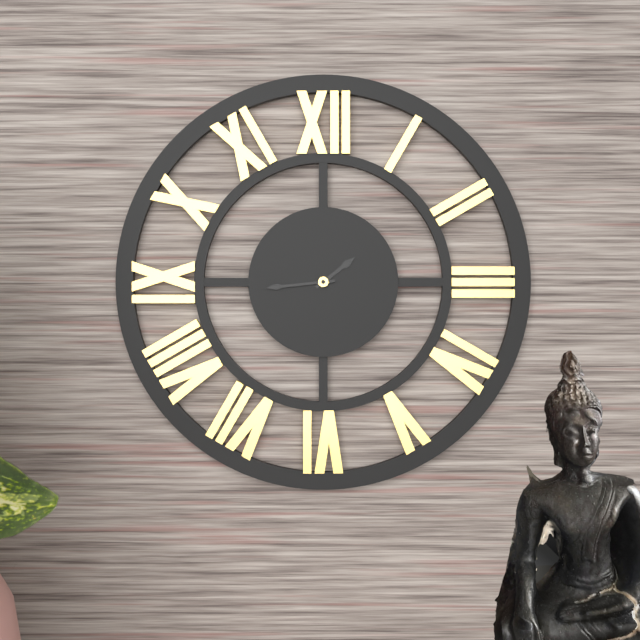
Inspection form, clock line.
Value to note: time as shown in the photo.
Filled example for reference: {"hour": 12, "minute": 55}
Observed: {"hour": 1, "minute": 44}
